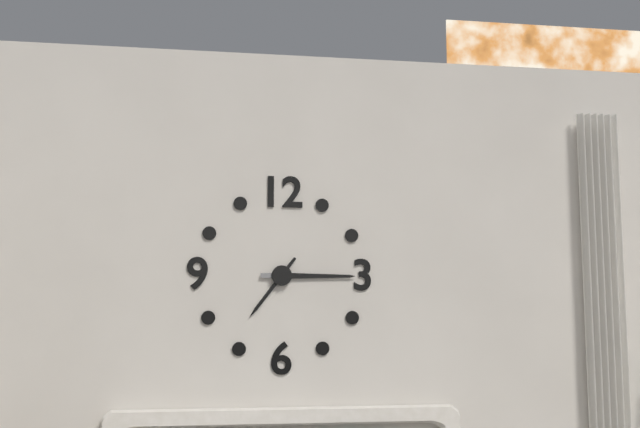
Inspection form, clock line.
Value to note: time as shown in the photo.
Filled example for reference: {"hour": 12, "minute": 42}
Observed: {"hour": 7, "minute": 15}
